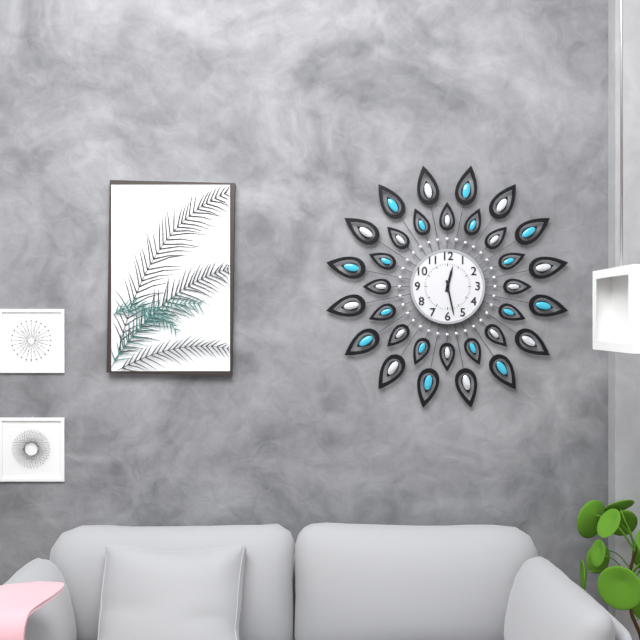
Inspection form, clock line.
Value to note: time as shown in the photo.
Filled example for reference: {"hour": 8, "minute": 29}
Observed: {"hour": 12, "minute": 28}
